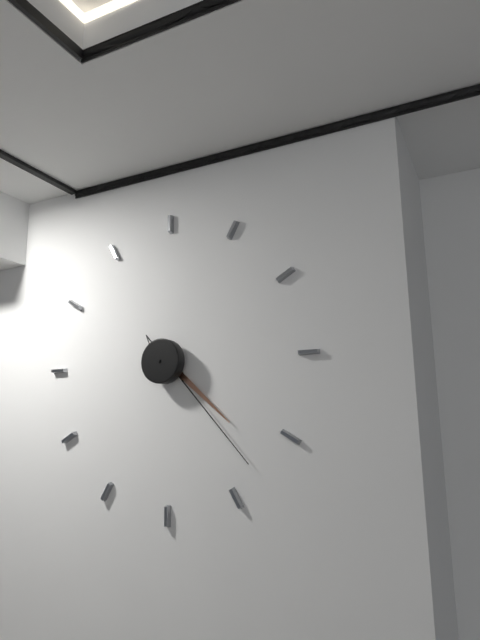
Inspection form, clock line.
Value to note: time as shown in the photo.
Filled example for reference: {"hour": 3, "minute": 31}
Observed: {"hour": 4, "minute": 23}
